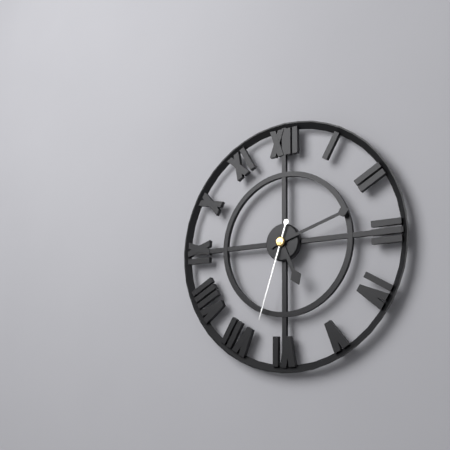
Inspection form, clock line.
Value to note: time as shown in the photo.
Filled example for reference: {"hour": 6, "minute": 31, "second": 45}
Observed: {"hour": 5, "minute": 12, "second": 33}
